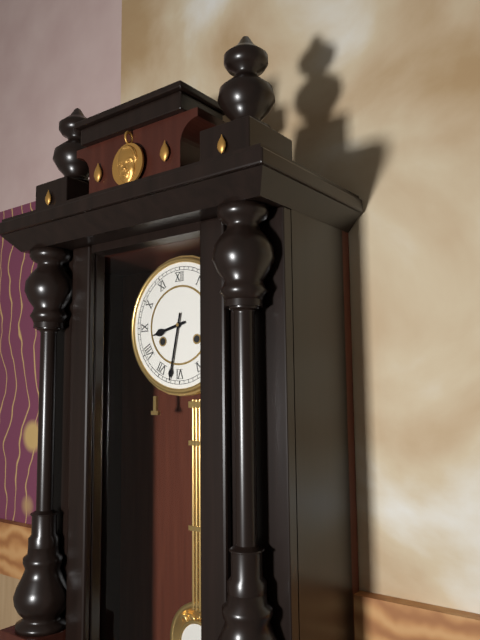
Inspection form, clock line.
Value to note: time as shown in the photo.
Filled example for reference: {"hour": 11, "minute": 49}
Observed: {"hour": 8, "minute": 32}
